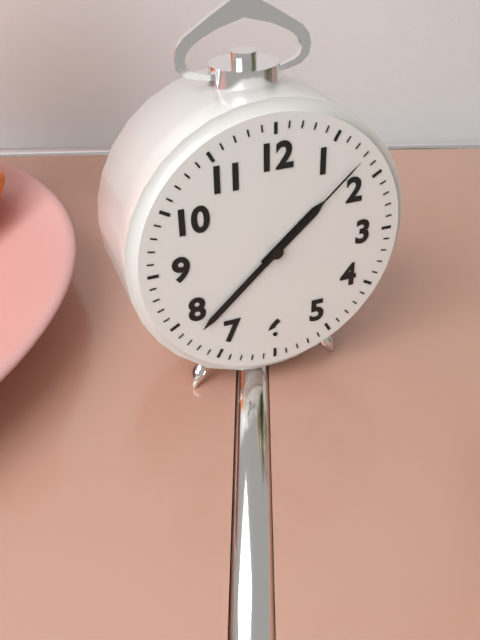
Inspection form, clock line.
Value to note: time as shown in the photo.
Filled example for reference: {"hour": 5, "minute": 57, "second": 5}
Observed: {"hour": 1, "minute": 38, "second": 8}
